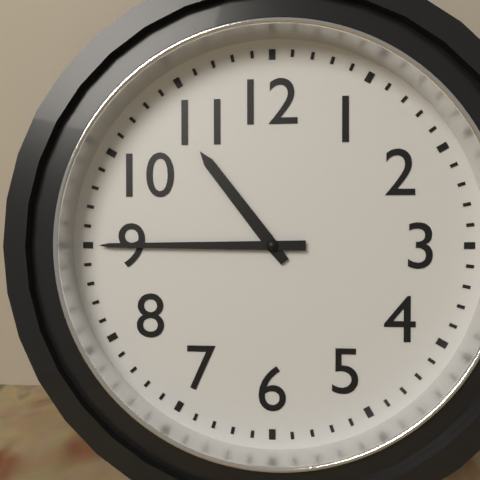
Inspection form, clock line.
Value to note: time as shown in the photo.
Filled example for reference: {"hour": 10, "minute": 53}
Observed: {"hour": 10, "minute": 45}
